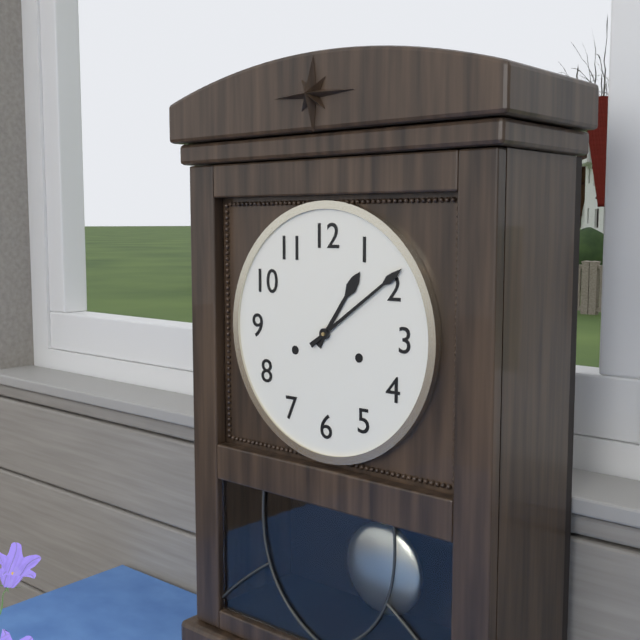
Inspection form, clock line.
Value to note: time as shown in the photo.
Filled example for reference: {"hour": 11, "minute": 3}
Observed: {"hour": 1, "minute": 9}
